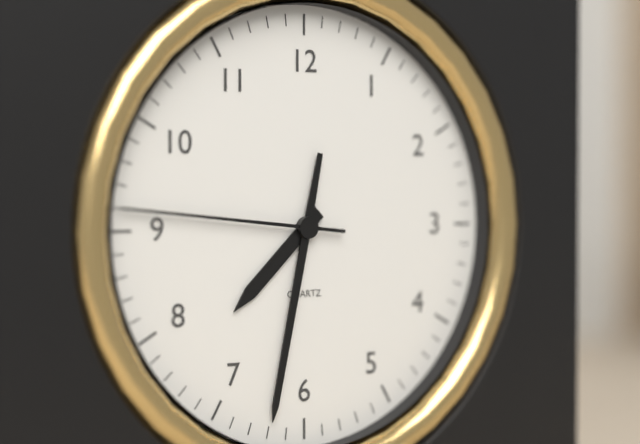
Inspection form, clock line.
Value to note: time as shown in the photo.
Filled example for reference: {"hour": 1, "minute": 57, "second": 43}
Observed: {"hour": 7, "minute": 32, "second": 46}
